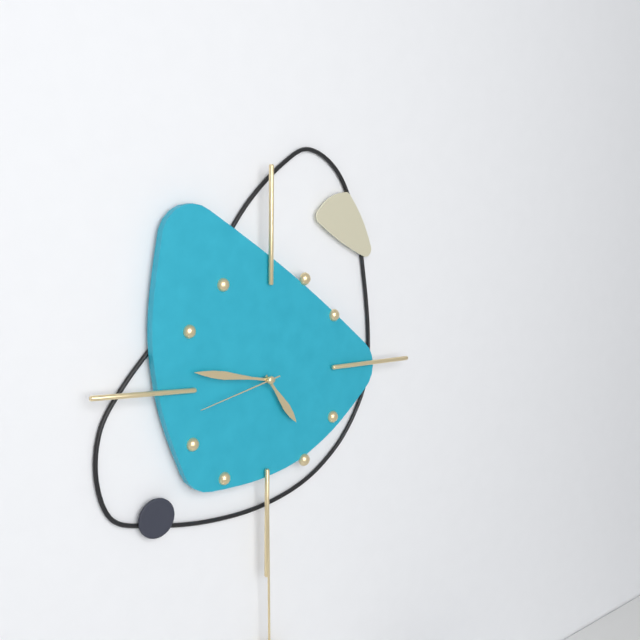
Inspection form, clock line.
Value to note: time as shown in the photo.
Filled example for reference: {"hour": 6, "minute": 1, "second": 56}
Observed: {"hour": 4, "minute": 47, "second": 43}
